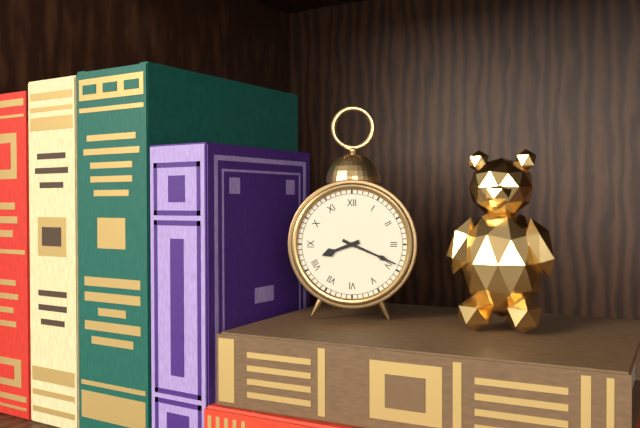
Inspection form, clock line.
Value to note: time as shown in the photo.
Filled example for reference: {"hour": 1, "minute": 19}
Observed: {"hour": 8, "minute": 19}
